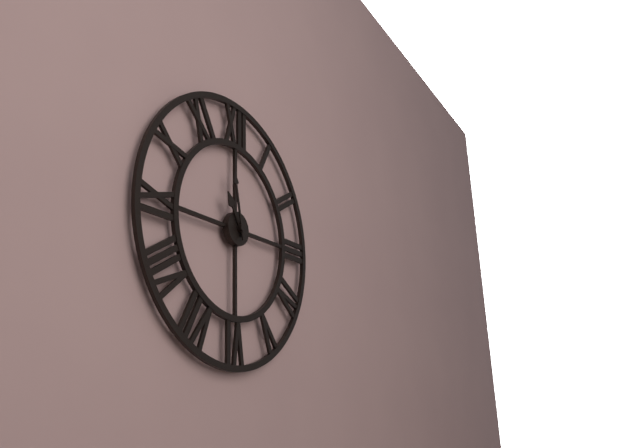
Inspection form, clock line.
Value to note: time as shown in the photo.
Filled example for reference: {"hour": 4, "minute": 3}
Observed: {"hour": 10, "minute": 58}
